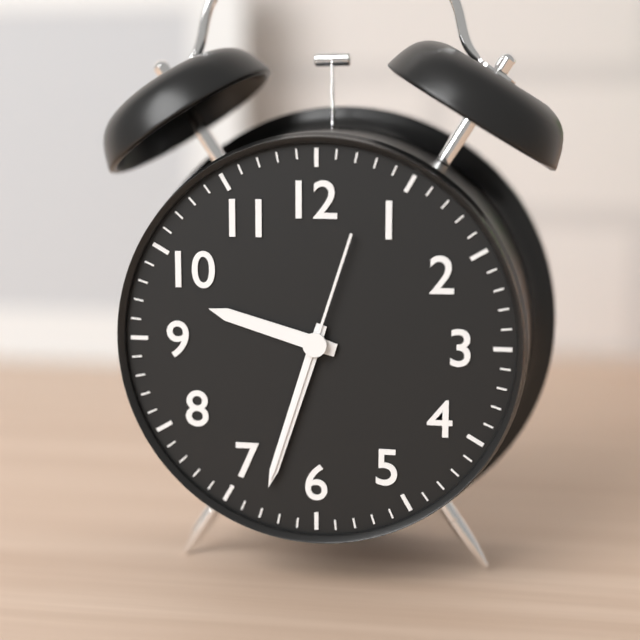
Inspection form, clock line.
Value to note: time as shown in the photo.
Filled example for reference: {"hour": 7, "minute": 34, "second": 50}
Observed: {"hour": 9, "minute": 33, "second": 33}
